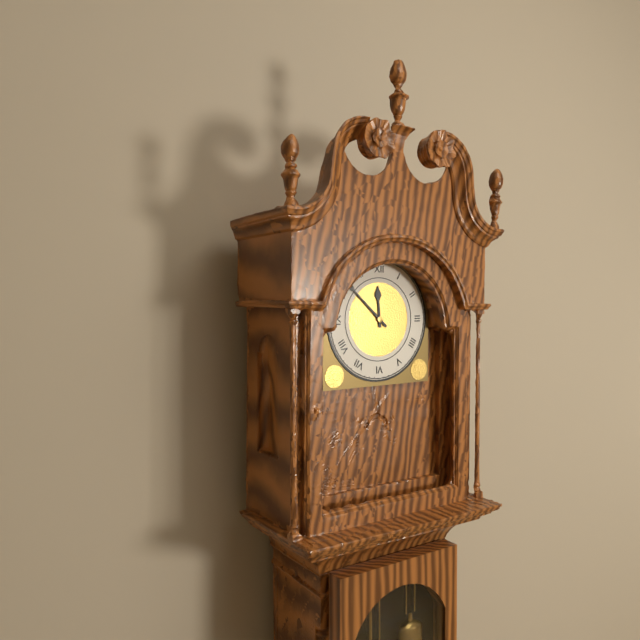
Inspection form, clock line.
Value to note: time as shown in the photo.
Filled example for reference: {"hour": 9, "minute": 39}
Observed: {"hour": 11, "minute": 52}
